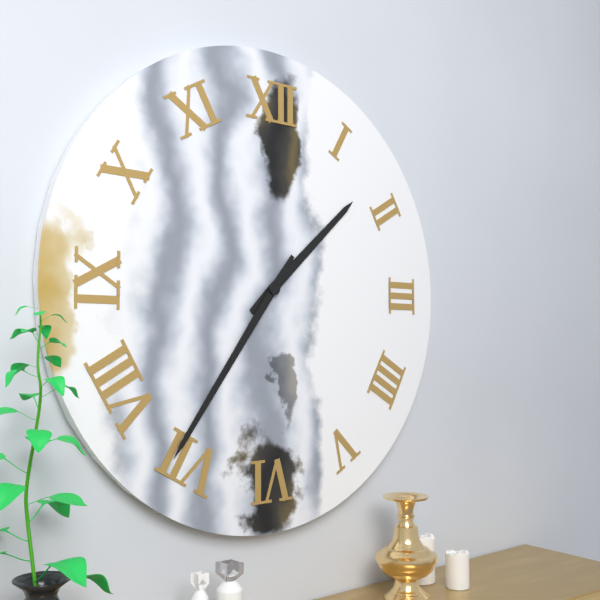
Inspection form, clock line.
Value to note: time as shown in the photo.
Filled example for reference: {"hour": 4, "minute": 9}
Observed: {"hour": 1, "minute": 36}
